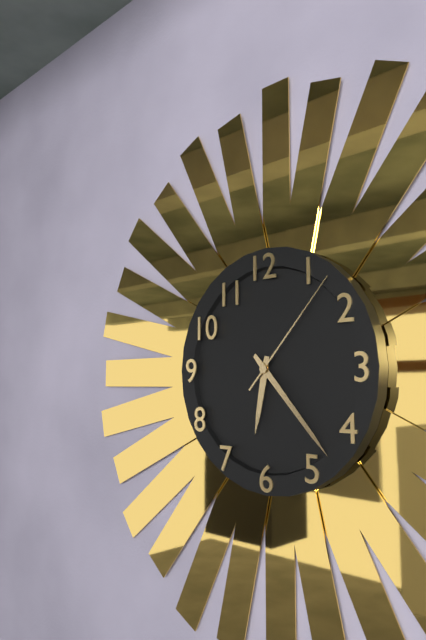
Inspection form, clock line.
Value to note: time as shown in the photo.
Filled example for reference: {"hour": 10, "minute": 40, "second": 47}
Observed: {"hour": 6, "minute": 23, "second": 7}
